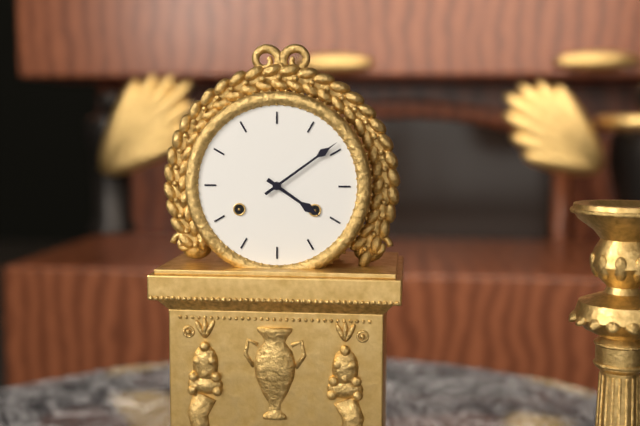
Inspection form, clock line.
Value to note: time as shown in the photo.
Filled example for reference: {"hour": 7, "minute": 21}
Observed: {"hour": 4, "minute": 9}
